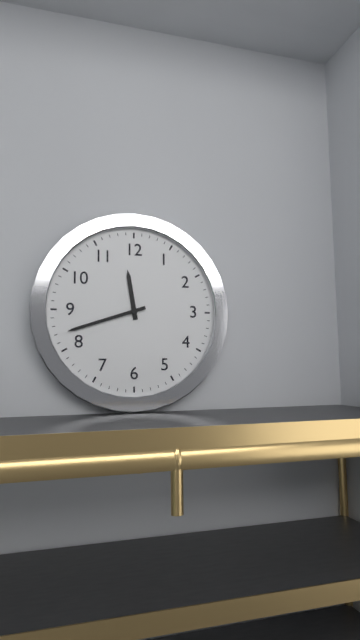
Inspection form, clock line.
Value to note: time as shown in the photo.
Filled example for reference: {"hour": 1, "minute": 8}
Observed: {"hour": 11, "minute": 42}
